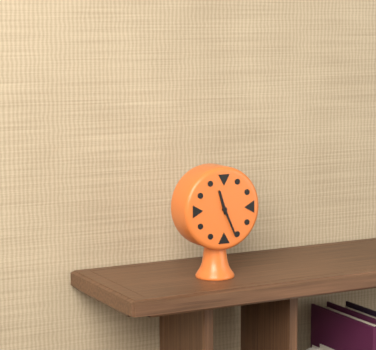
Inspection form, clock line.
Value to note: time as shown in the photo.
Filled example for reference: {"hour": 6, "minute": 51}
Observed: {"hour": 11, "minute": 26}
